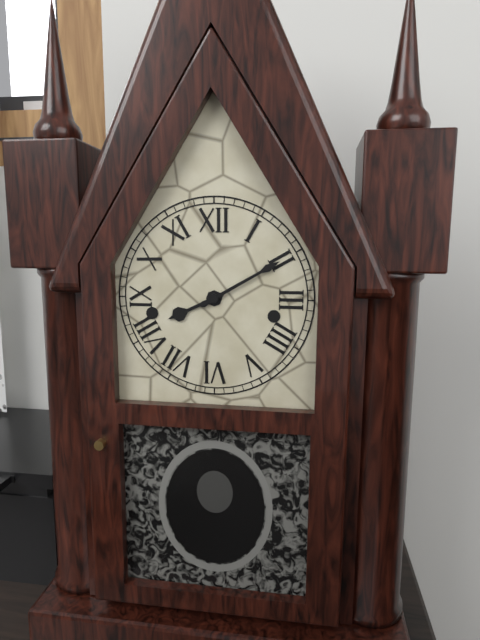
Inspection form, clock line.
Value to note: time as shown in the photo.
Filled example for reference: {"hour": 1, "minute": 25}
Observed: {"hour": 8, "minute": 10}
